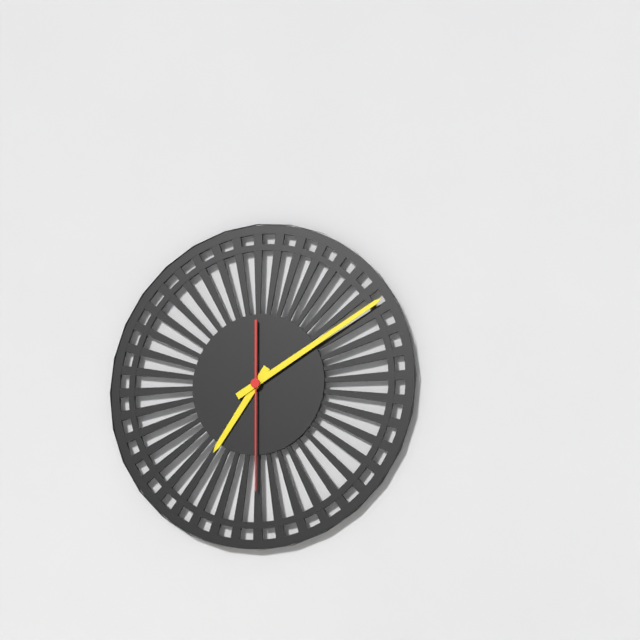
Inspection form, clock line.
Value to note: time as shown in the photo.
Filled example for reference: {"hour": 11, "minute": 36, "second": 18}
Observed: {"hour": 7, "minute": 10, "second": 30}
